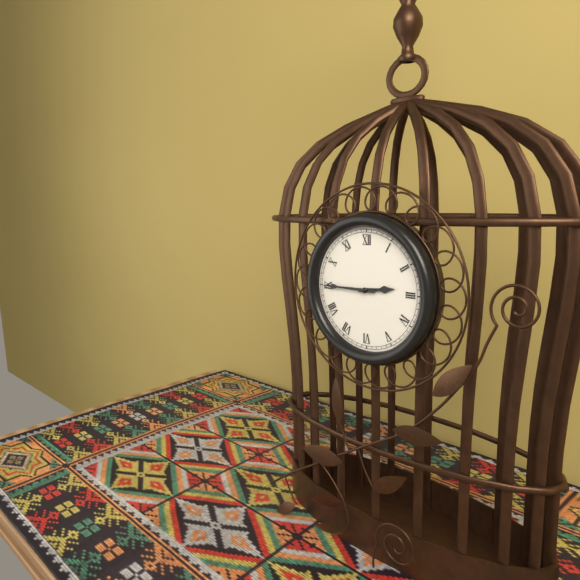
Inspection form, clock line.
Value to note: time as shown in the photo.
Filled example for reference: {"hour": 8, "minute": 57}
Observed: {"hour": 2, "minute": 45}
